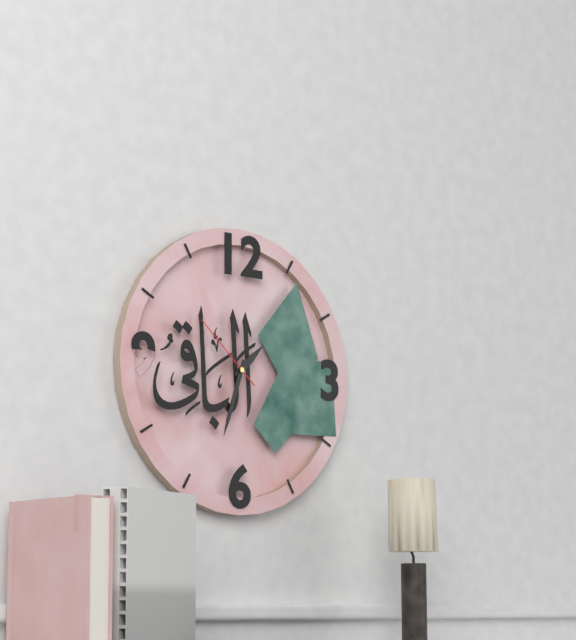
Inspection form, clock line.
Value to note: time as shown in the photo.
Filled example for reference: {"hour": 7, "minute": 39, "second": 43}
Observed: {"hour": 1, "minute": 33, "second": 52}
